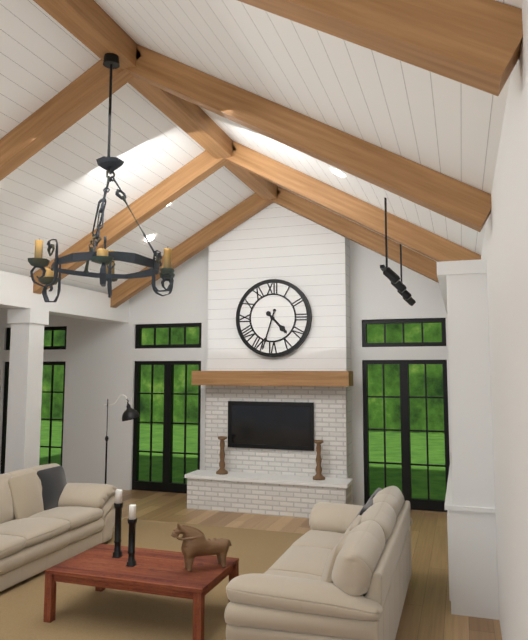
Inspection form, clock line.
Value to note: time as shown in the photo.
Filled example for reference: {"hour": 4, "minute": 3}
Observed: {"hour": 4, "minute": 33}
